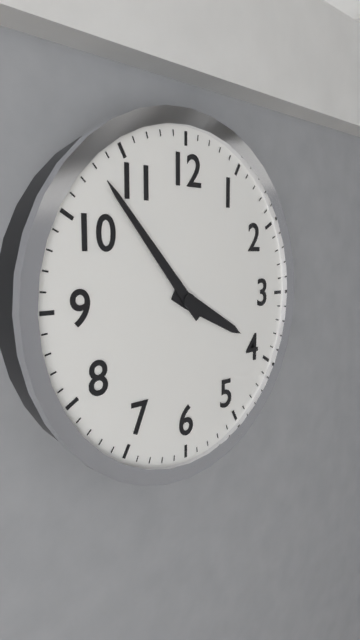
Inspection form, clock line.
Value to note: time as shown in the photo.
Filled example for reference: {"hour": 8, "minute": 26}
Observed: {"hour": 3, "minute": 53}
